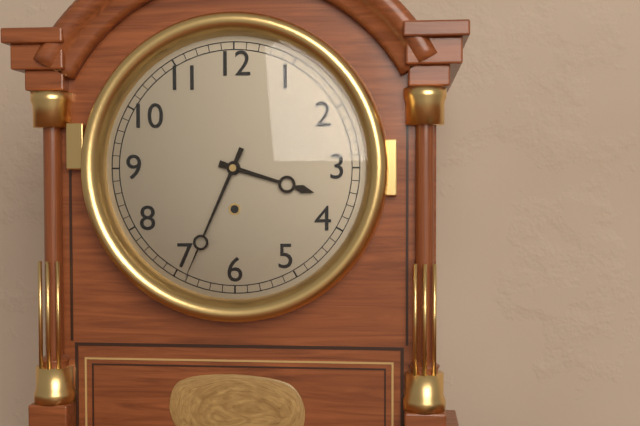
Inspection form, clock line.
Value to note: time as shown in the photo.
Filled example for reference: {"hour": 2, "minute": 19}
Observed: {"hour": 3, "minute": 34}
